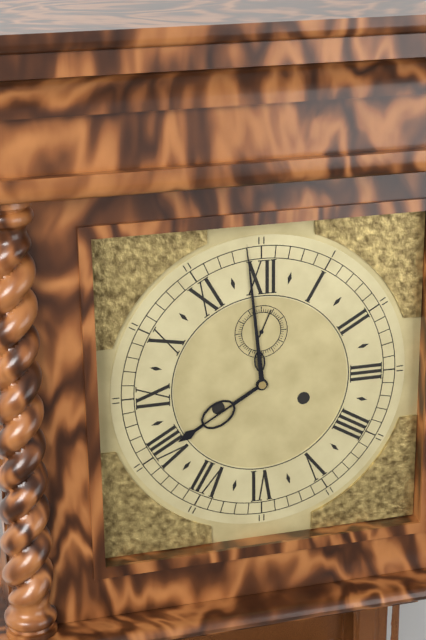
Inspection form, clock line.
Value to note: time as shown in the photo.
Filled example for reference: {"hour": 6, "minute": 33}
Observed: {"hour": 7, "minute": 59}
